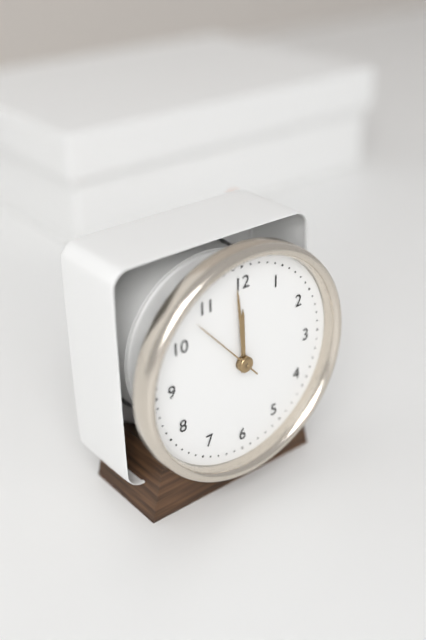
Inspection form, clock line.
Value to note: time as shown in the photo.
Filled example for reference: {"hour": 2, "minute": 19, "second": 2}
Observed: {"hour": 11, "minute": 59, "second": 53}
